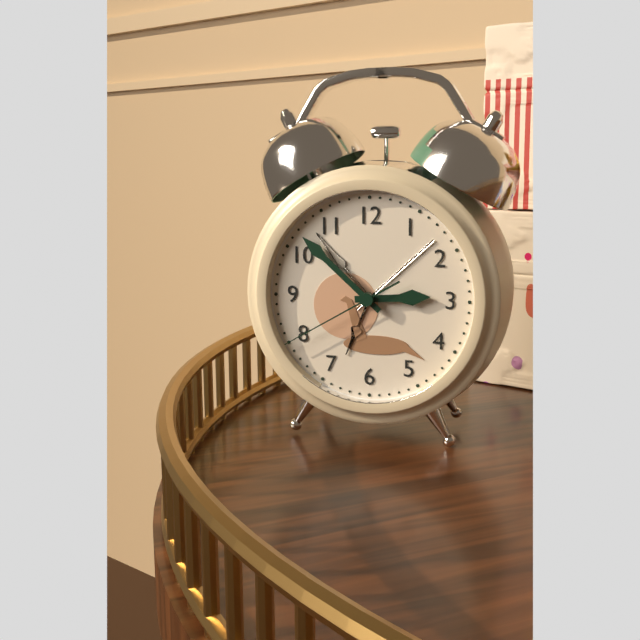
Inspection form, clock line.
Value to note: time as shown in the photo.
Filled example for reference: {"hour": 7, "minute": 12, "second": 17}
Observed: {"hour": 2, "minute": 52, "second": 40}
